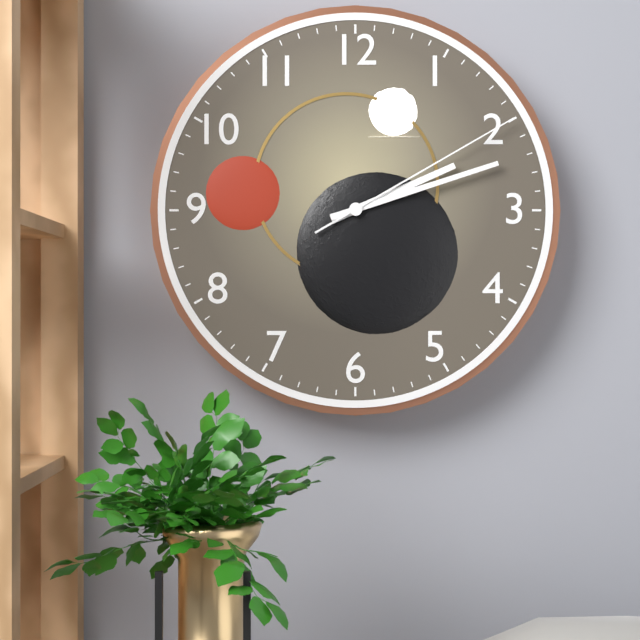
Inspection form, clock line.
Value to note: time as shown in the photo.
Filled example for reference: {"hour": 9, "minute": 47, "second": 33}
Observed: {"hour": 2, "minute": 12, "second": 10}
